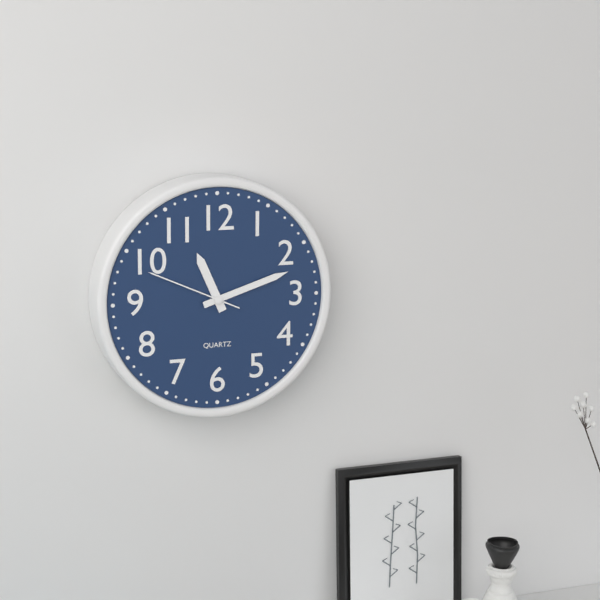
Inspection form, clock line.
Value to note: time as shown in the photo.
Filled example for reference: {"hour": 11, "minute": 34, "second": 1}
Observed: {"hour": 11, "minute": 12, "second": 49}
